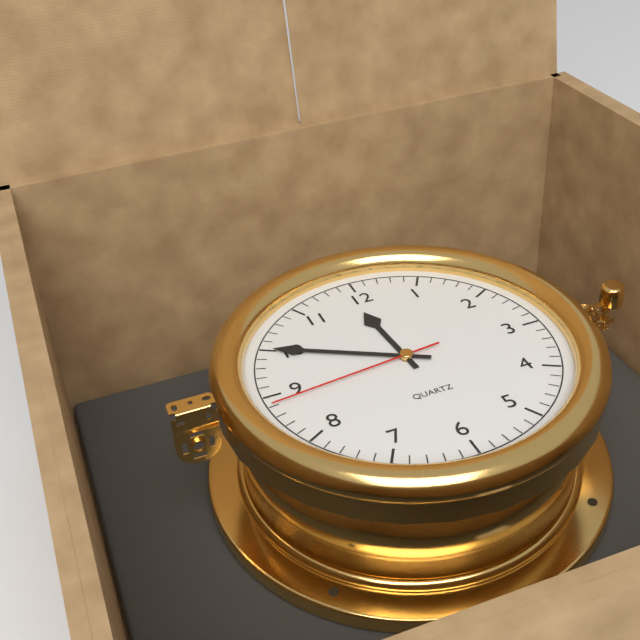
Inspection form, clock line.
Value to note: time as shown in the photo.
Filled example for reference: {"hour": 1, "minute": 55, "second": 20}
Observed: {"hour": 11, "minute": 50, "second": 44}
